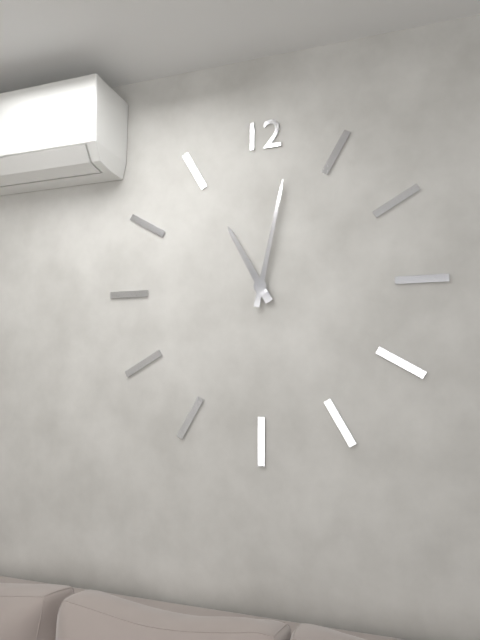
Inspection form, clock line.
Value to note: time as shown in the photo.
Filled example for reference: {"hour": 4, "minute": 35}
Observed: {"hour": 11, "minute": 2}
